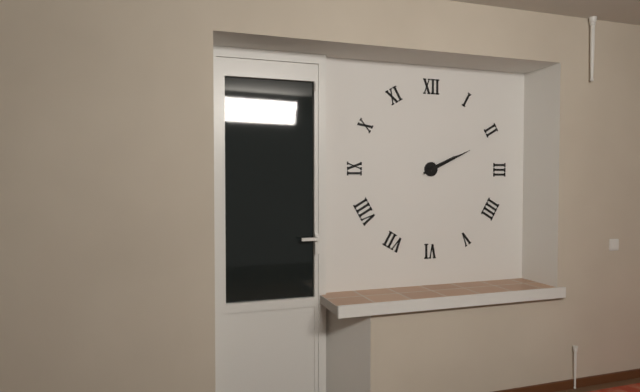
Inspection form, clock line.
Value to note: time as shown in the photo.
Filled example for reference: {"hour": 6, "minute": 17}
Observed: {"hour": 2, "minute": 11}
